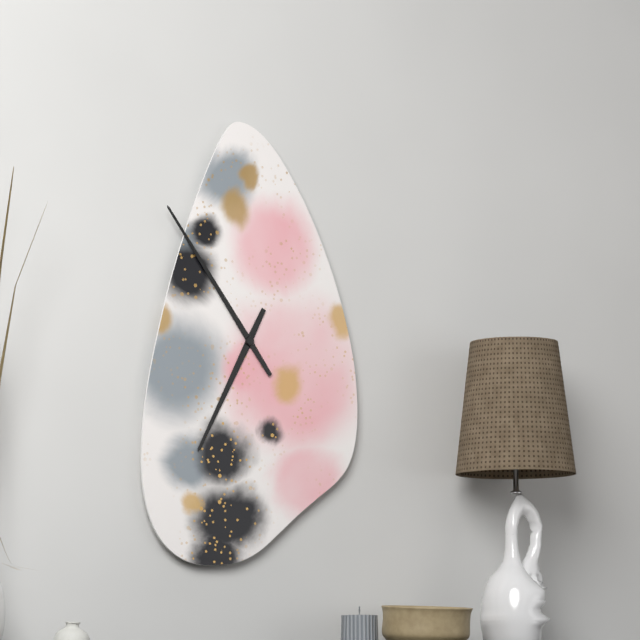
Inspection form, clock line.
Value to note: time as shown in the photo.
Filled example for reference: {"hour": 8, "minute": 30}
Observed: {"hour": 6, "minute": 54}
